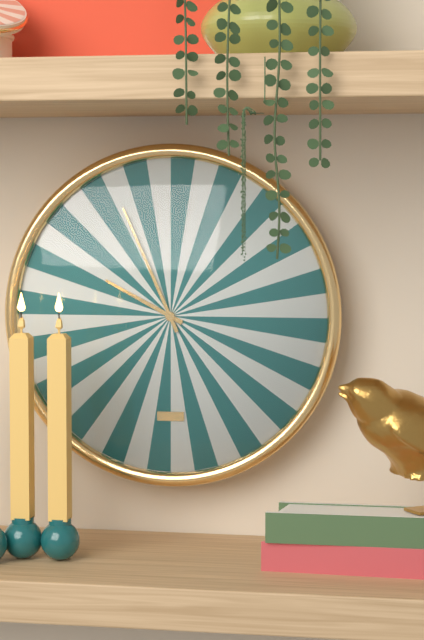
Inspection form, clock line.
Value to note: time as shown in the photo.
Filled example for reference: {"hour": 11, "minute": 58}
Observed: {"hour": 9, "minute": 56}
